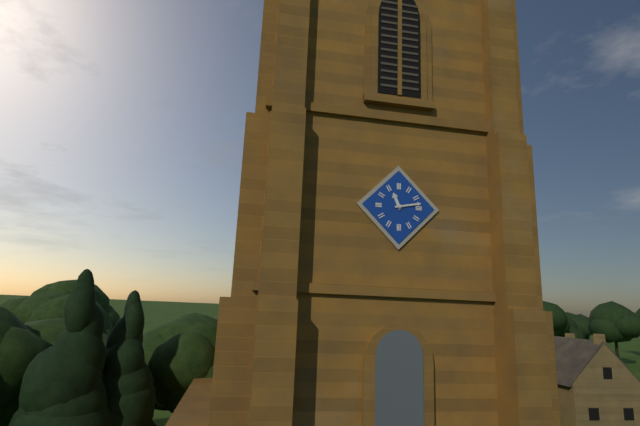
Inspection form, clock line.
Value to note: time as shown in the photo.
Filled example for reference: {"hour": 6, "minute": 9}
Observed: {"hour": 11, "minute": 13}
